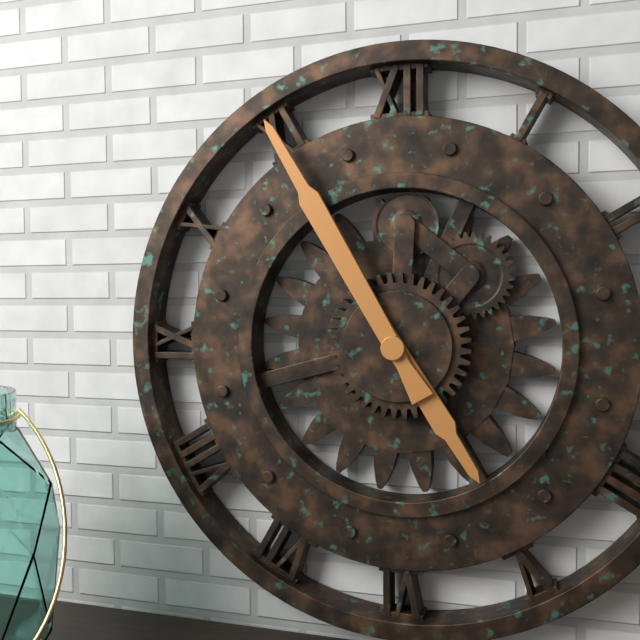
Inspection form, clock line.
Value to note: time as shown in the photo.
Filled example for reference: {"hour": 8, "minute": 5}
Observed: {"hour": 4, "minute": 55}
